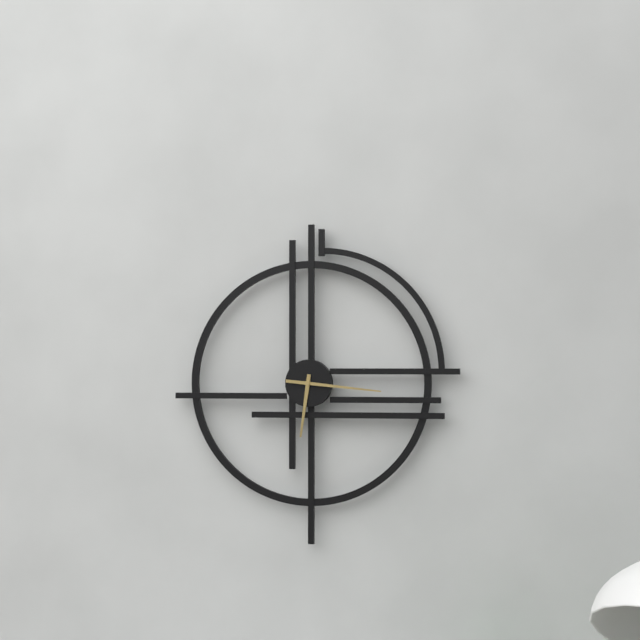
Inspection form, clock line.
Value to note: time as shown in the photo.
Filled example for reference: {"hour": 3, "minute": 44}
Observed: {"hour": 6, "minute": 16}
